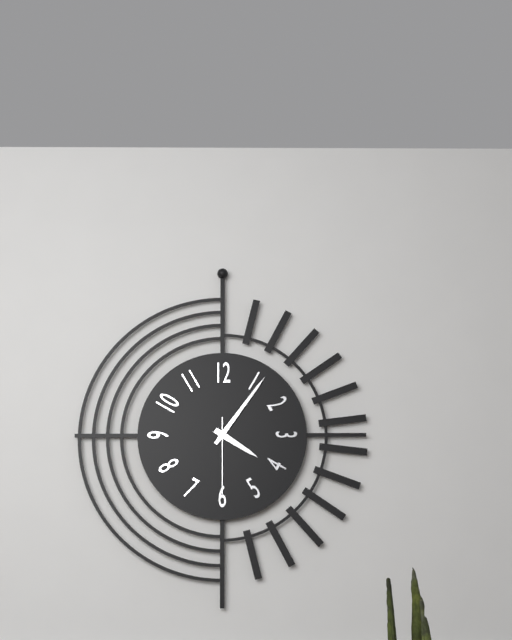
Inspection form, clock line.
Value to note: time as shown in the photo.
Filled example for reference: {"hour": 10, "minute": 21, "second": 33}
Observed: {"hour": 4, "minute": 6, "second": 30}
